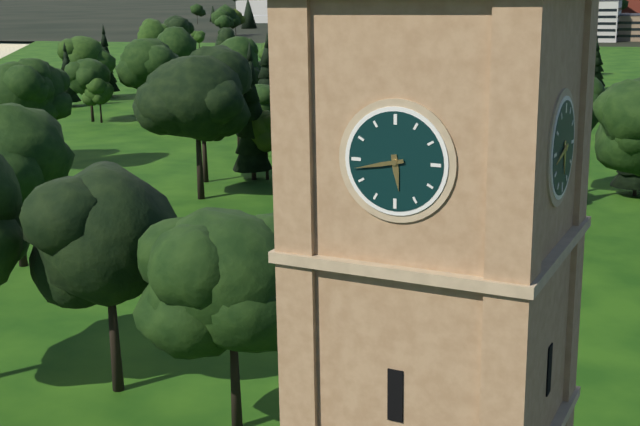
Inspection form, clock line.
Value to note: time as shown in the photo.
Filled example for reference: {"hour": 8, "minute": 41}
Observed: {"hour": 5, "minute": 43}
